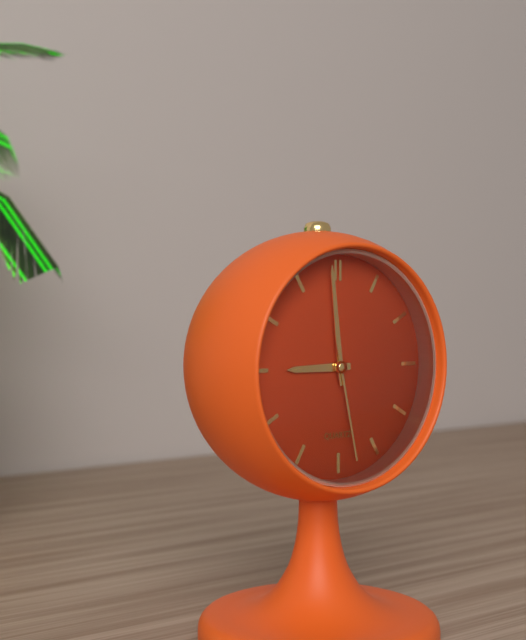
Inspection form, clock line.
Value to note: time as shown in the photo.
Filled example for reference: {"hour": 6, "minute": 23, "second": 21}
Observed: {"hour": 8, "minute": 59, "second": 28}
